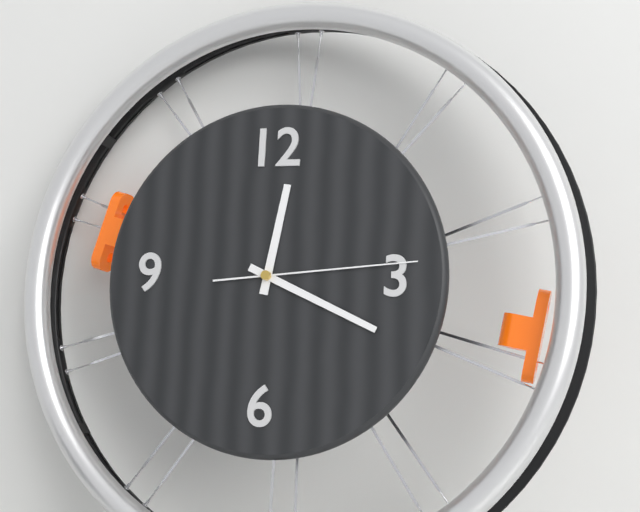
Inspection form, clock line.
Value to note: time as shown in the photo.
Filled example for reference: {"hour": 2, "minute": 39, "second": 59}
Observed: {"hour": 12, "minute": 19, "second": 14}
